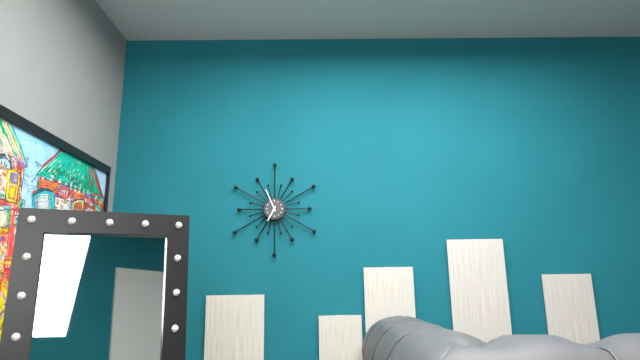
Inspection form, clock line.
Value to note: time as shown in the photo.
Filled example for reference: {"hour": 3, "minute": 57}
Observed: {"hour": 6, "minute": 56}
